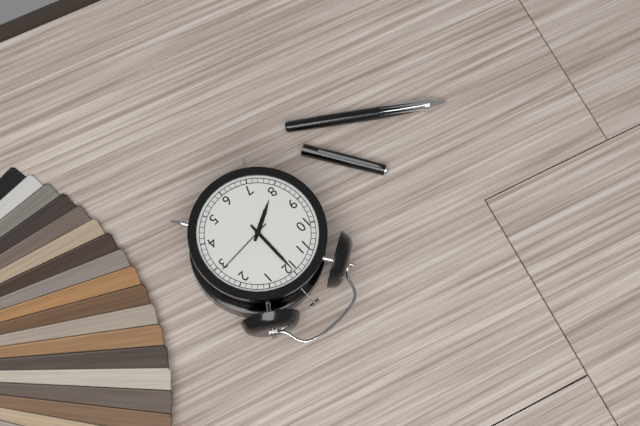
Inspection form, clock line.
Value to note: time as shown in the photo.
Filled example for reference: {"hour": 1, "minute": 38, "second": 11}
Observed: {"hour": 8, "minute": 0, "second": 14}
